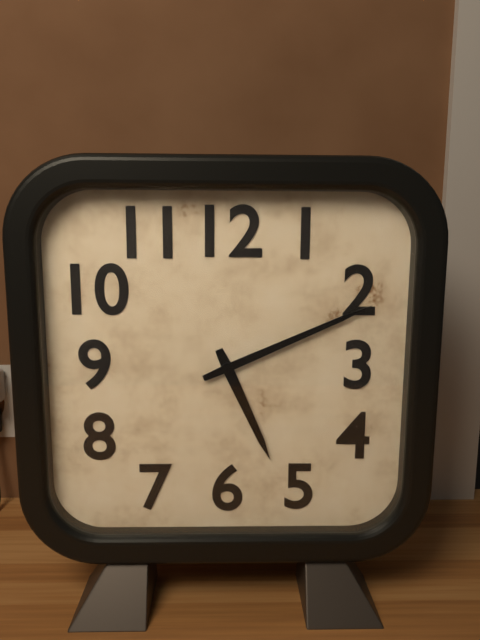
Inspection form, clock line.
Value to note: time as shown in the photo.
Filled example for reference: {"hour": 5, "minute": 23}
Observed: {"hour": 5, "minute": 11}
